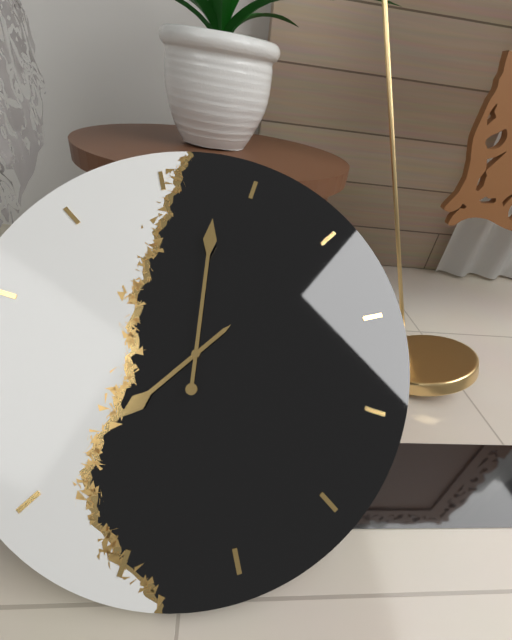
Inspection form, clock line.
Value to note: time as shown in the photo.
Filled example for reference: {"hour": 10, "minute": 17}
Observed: {"hour": 8, "minute": 3}
